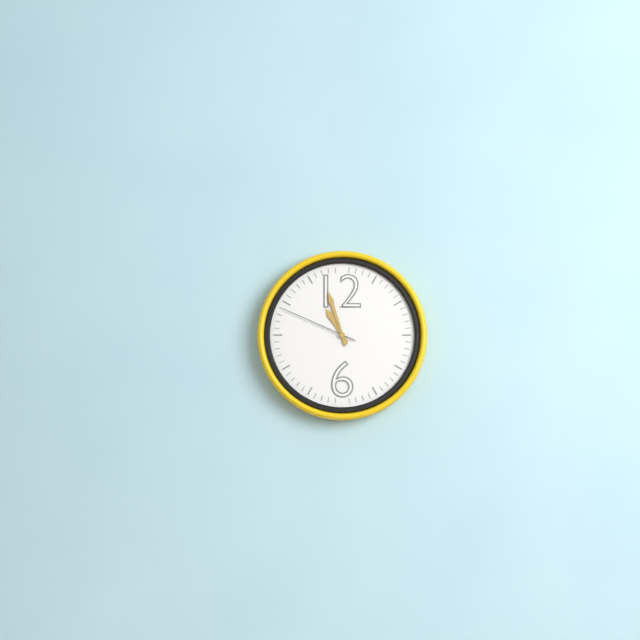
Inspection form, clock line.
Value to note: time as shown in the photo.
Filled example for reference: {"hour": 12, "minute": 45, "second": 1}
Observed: {"hour": 10, "minute": 57, "second": 49}
